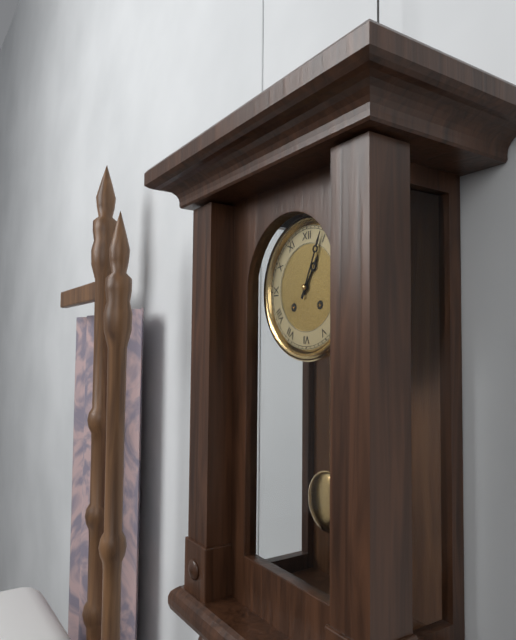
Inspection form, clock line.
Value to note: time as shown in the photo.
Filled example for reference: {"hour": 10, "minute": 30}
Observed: {"hour": 1, "minute": 4}
